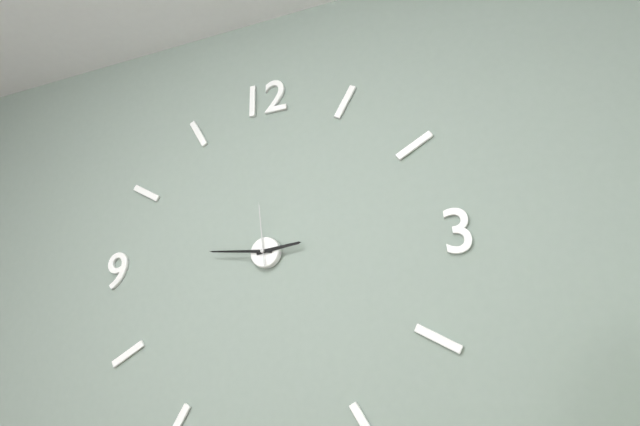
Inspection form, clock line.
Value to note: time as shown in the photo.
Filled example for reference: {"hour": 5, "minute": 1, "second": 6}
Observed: {"hour": 2, "minute": 46, "second": 59}
